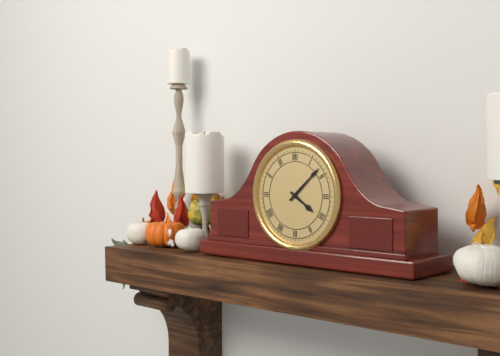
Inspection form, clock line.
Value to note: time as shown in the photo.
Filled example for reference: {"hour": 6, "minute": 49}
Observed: {"hour": 4, "minute": 8}
